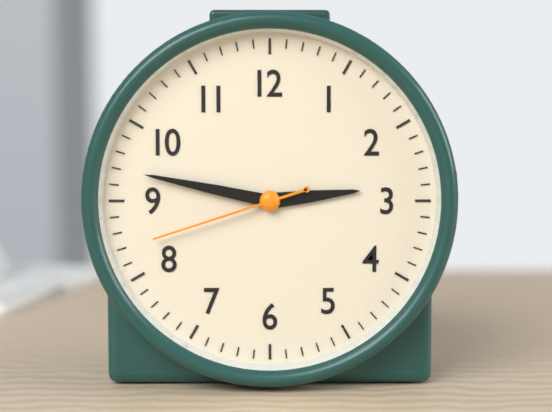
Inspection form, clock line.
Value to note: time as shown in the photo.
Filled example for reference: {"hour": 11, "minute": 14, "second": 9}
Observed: {"hour": 2, "minute": 47, "second": 42}
